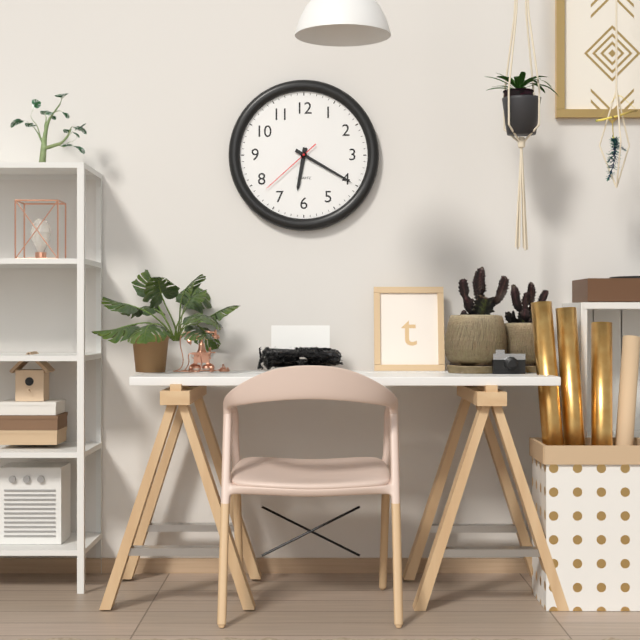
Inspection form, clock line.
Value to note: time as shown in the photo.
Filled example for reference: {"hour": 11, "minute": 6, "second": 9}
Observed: {"hour": 6, "minute": 20, "second": 38}
